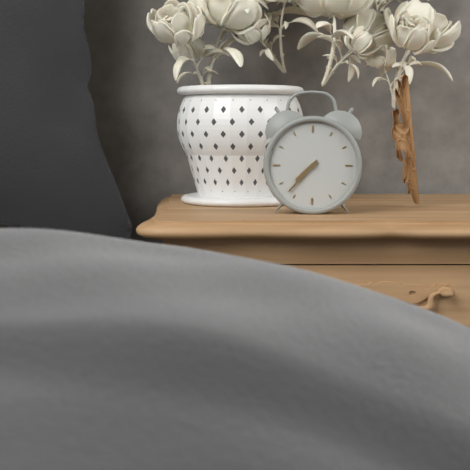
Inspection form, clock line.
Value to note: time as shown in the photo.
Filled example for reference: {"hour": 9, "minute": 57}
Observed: {"hour": 7, "minute": 37}
